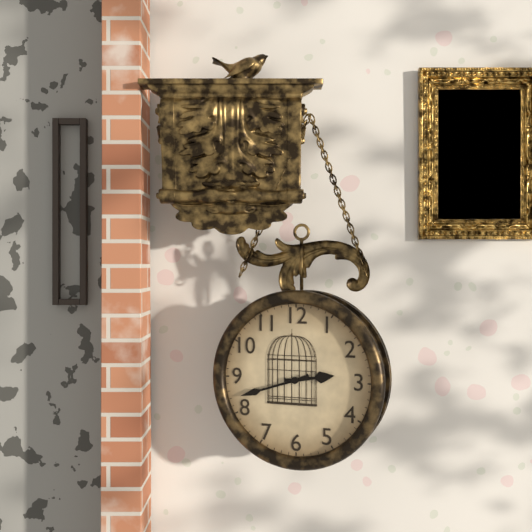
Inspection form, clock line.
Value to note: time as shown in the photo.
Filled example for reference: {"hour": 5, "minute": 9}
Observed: {"hour": 2, "minute": 42}
